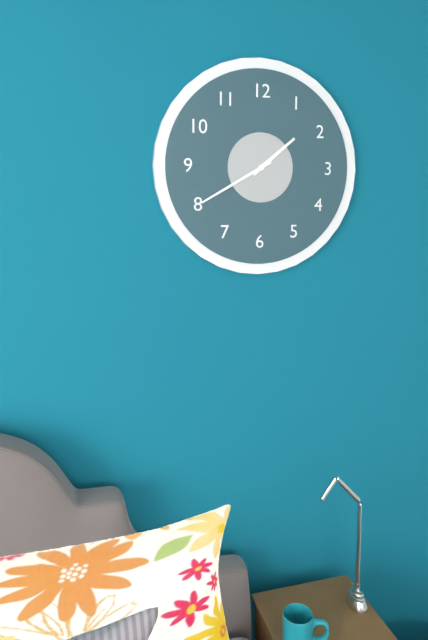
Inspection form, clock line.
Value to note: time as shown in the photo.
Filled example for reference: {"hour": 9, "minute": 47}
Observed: {"hour": 1, "minute": 40}
